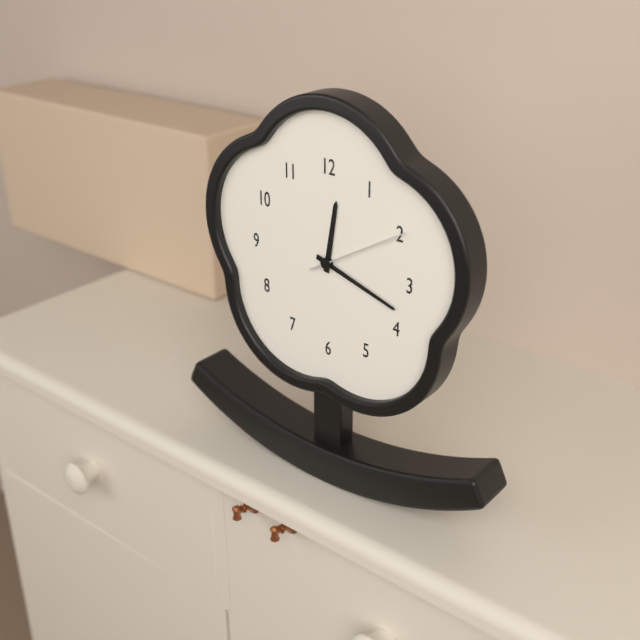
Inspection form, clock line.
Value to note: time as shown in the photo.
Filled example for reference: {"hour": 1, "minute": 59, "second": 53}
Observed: {"hour": 12, "minute": 18, "second": 10}
